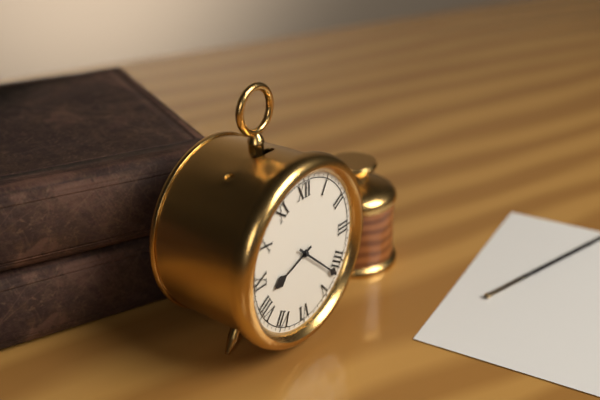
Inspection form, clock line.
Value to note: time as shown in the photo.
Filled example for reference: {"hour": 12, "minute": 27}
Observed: {"hour": 8, "minute": 22}
